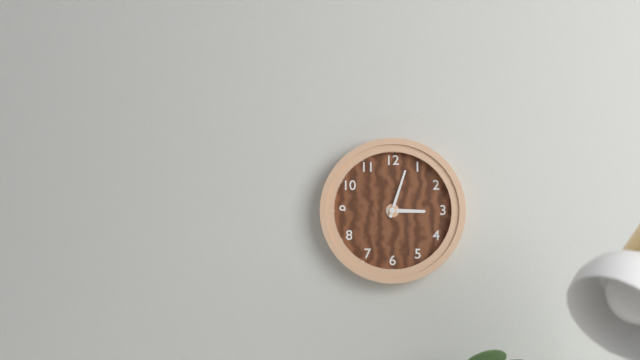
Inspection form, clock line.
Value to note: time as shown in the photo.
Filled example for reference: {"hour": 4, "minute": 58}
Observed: {"hour": 3, "minute": 3}
